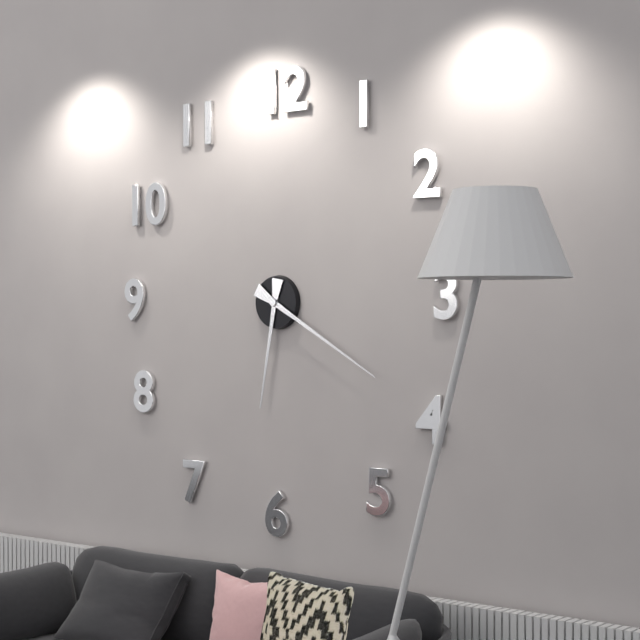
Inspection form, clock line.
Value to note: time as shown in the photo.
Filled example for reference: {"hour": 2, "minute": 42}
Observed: {"hour": 6, "minute": 20}
